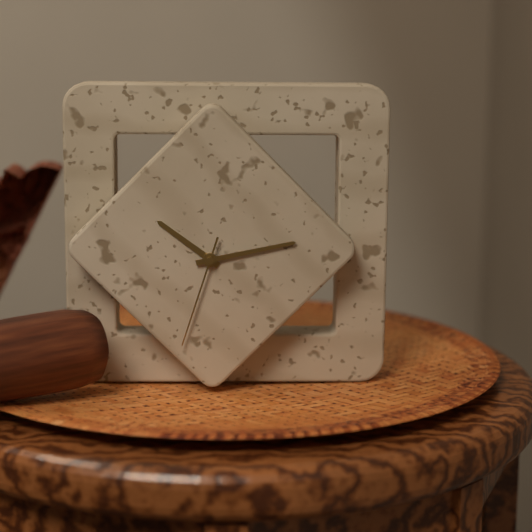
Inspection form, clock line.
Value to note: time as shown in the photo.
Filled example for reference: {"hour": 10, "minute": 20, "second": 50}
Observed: {"hour": 10, "minute": 13, "second": 33}
